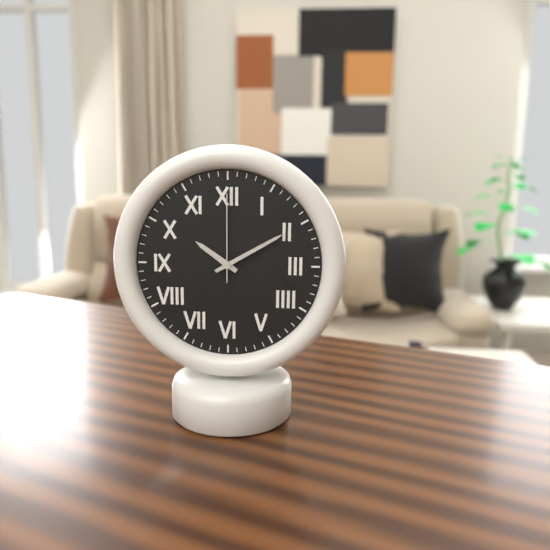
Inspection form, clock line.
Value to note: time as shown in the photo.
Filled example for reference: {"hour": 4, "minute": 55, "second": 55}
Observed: {"hour": 10, "minute": 10, "second": 0}
